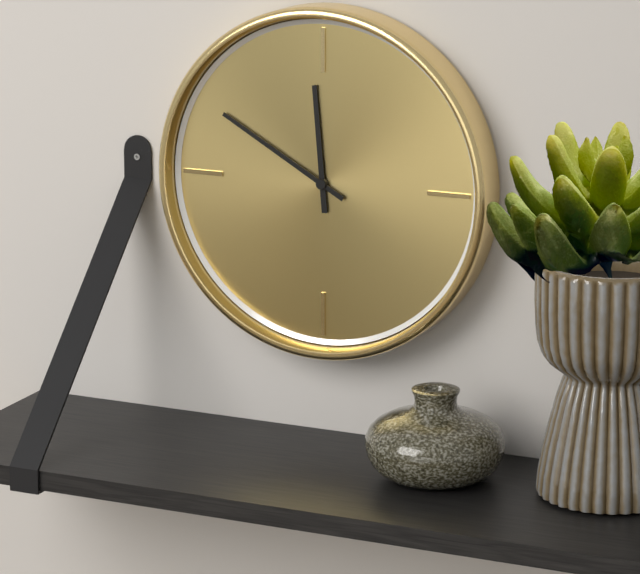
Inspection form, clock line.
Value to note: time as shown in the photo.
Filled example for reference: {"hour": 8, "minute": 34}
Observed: {"hour": 11, "minute": 50}
